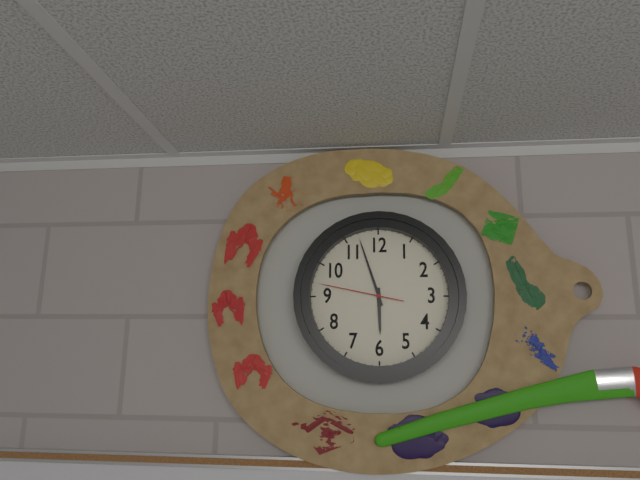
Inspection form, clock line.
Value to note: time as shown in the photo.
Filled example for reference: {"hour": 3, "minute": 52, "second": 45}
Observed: {"hour": 5, "minute": 57, "second": 47}
